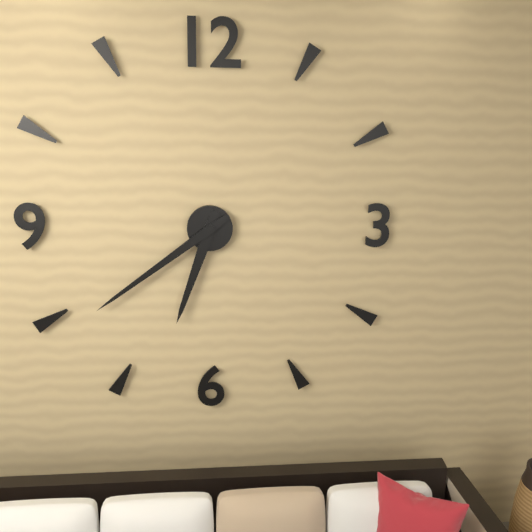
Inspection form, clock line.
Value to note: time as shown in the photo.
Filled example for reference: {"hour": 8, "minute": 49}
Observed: {"hour": 6, "minute": 39}
